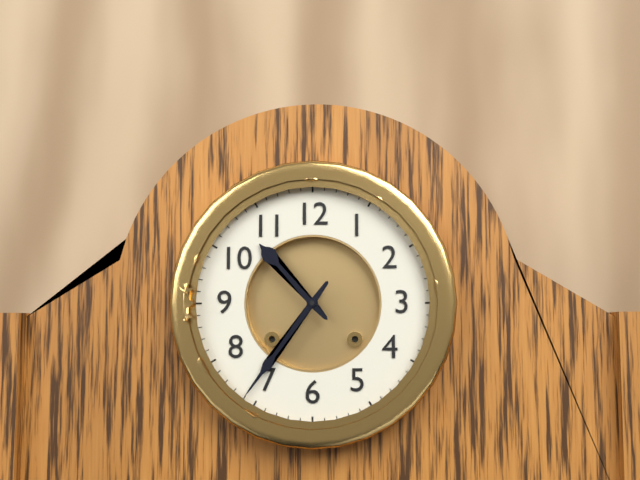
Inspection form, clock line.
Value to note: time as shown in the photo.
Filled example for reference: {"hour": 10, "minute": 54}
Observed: {"hour": 10, "minute": 36}
